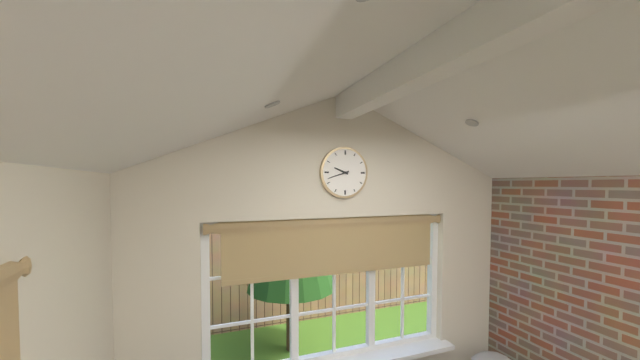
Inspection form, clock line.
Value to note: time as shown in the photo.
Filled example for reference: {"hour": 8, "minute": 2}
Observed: {"hour": 9, "minute": 42}
